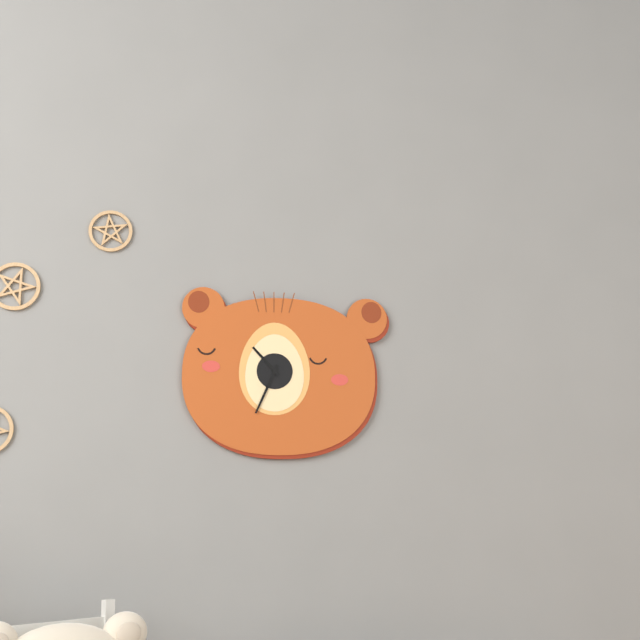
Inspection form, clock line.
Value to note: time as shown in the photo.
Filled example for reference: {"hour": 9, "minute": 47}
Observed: {"hour": 10, "minute": 34}
